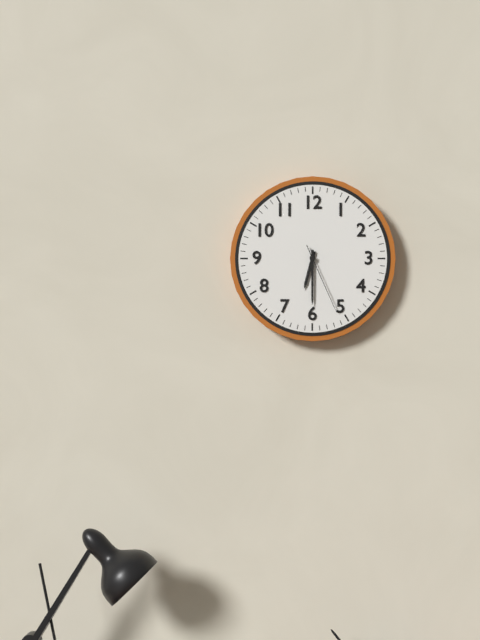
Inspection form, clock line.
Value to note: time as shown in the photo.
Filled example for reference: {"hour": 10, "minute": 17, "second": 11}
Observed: {"hour": 6, "minute": 30, "second": 26}
